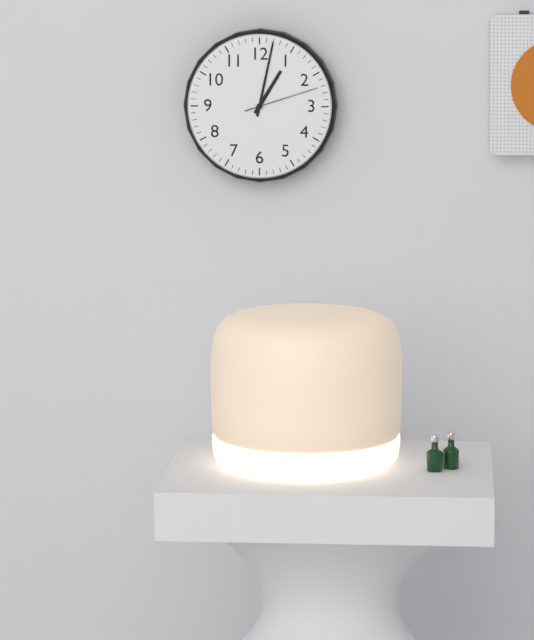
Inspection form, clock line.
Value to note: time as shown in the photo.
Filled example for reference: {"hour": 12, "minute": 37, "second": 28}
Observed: {"hour": 1, "minute": 2, "second": 12}
